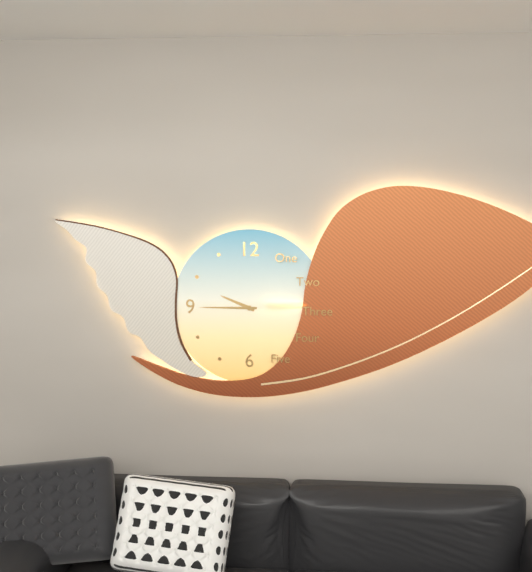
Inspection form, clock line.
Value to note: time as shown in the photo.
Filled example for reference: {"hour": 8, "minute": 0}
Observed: {"hour": 9, "minute": 45}
